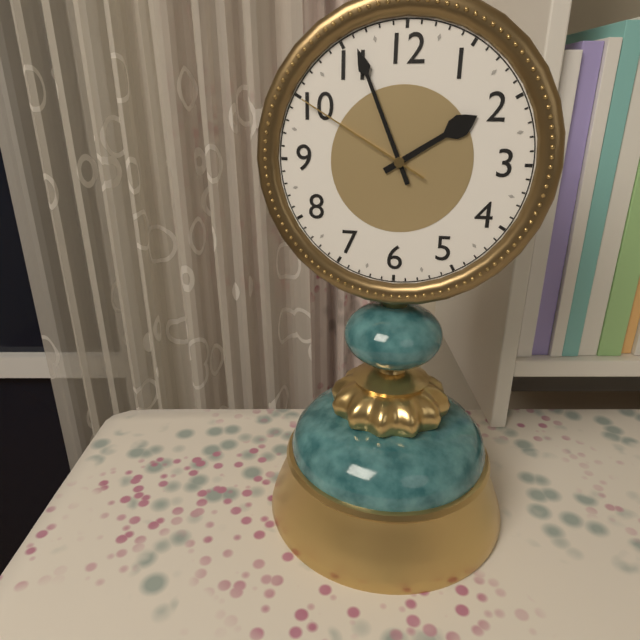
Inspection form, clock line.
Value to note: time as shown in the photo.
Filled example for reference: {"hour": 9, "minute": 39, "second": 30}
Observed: {"hour": 1, "minute": 56, "second": 50}
